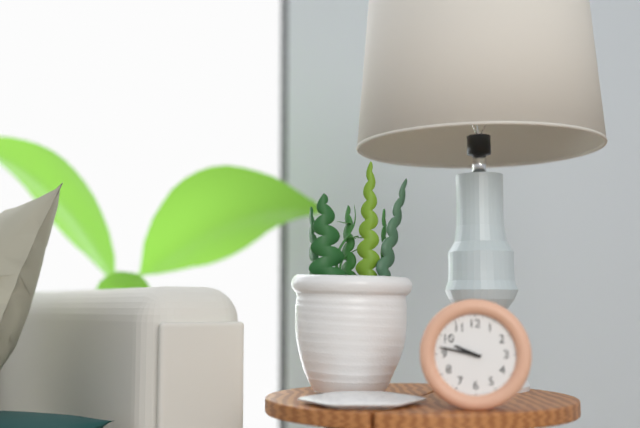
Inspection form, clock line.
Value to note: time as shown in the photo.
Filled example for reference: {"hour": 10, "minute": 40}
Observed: {"hour": 9, "minute": 47}
